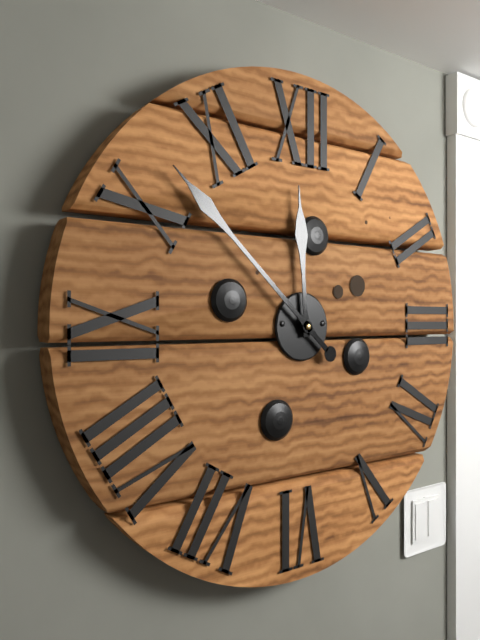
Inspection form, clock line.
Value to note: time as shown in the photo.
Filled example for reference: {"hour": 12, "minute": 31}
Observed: {"hour": 11, "minute": 52}
